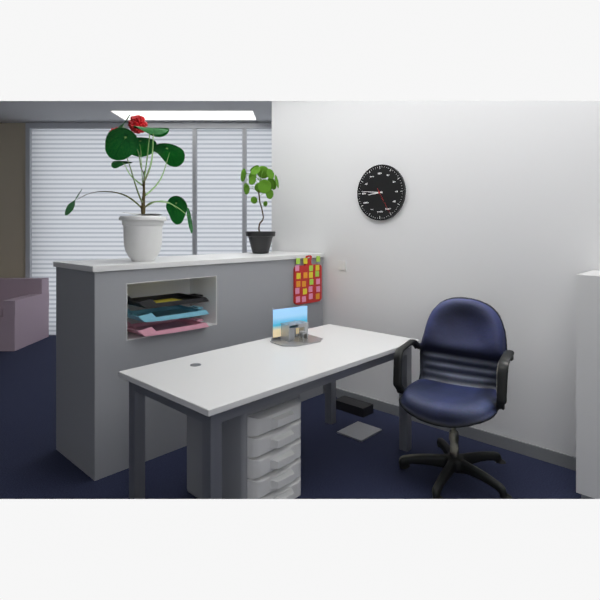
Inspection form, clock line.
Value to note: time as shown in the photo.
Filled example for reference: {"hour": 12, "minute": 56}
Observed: {"hour": 8, "minute": 46}
